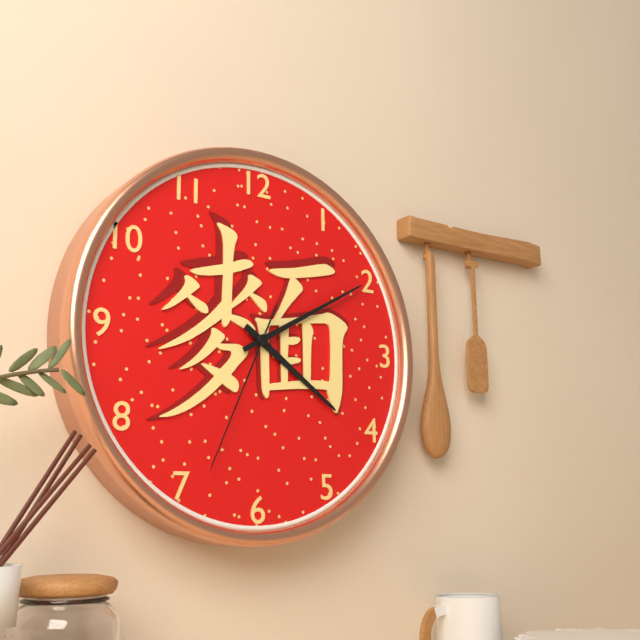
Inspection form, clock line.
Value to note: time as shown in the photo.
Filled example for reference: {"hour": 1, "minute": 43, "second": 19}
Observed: {"hour": 4, "minute": 10, "second": 34}
